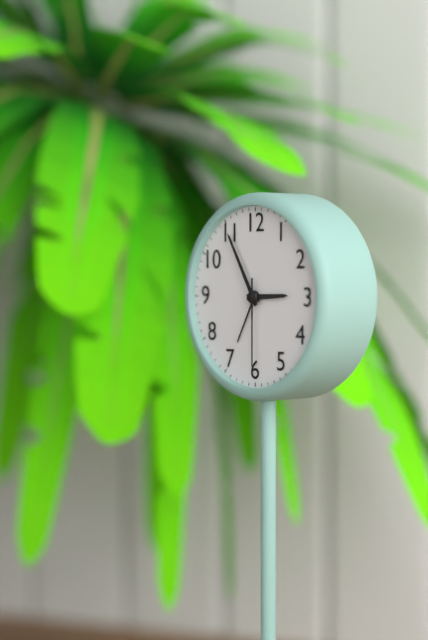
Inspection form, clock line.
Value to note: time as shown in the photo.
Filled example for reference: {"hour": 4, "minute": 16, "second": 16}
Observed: {"hour": 2, "minute": 55, "second": 30}
